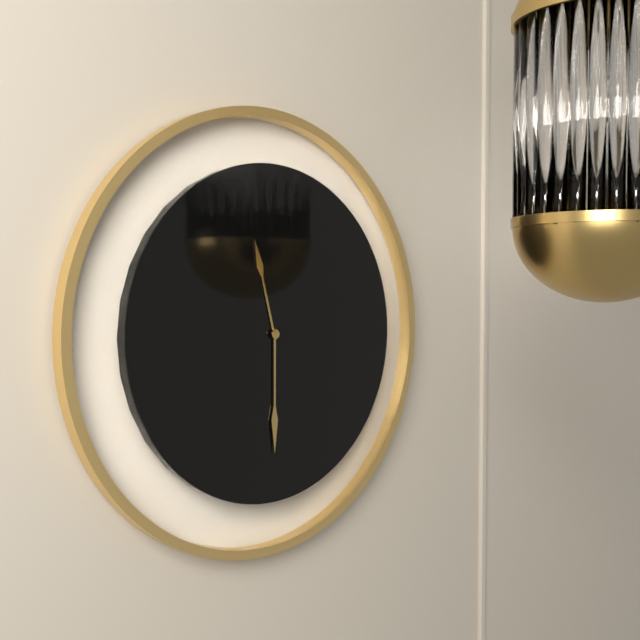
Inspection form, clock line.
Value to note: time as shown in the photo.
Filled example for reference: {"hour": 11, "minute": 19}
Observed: {"hour": 11, "minute": 30}
